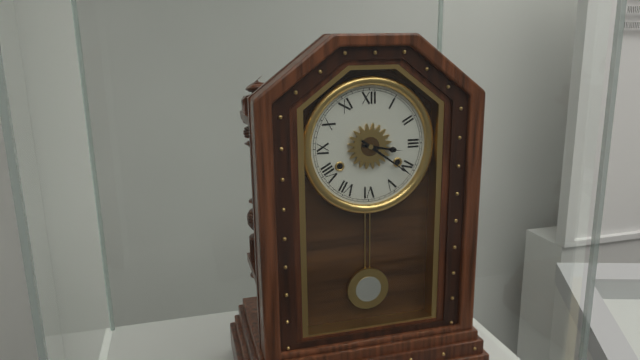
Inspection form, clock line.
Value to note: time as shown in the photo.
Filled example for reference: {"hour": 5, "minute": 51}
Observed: {"hour": 3, "minute": 21}
